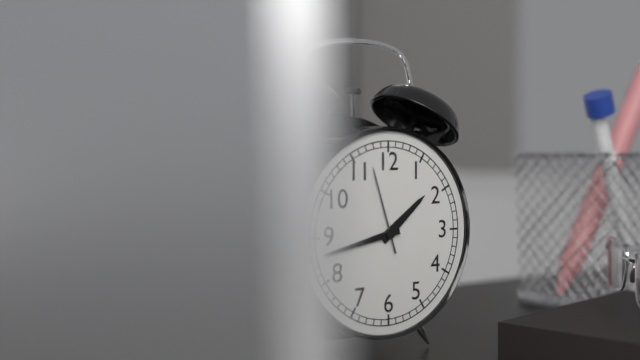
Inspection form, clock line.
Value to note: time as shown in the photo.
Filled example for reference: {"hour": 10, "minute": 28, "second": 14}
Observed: {"hour": 1, "minute": 43, "second": 57}
